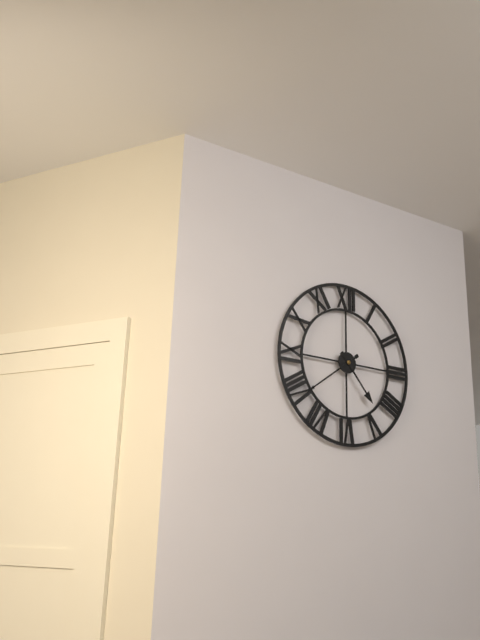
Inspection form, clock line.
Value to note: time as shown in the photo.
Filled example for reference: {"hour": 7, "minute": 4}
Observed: {"hour": 4, "minute": 39}
